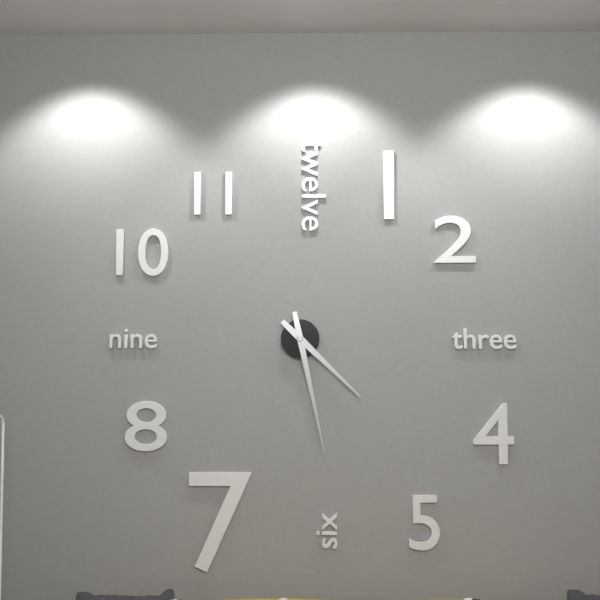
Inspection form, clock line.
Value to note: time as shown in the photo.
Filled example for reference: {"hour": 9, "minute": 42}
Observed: {"hour": 4, "minute": 28}
